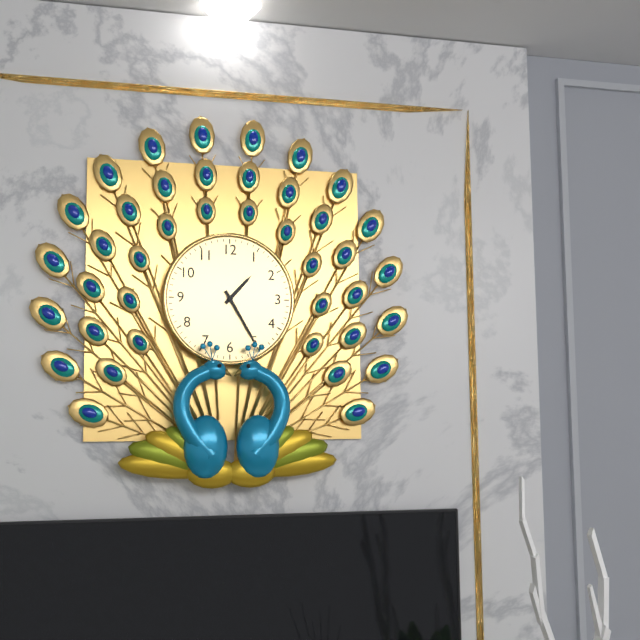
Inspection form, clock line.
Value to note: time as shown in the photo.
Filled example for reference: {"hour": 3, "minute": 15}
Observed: {"hour": 1, "minute": 25}
